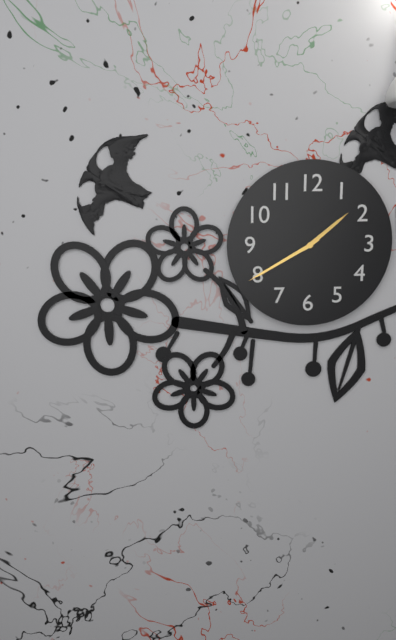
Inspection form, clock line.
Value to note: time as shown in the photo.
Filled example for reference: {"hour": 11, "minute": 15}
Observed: {"hour": 1, "minute": 40}
